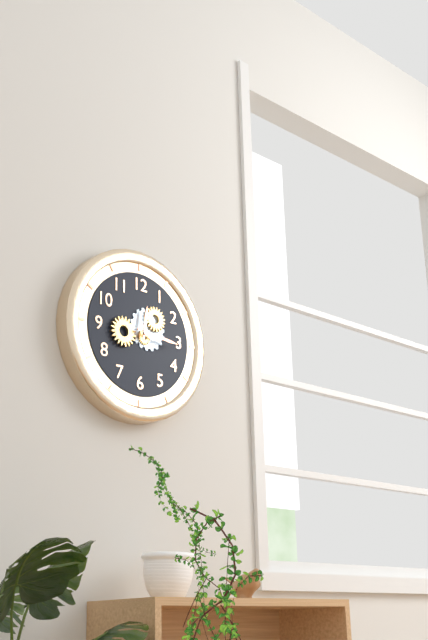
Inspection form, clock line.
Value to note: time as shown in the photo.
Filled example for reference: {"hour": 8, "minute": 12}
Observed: {"hour": 12, "minute": 16}
